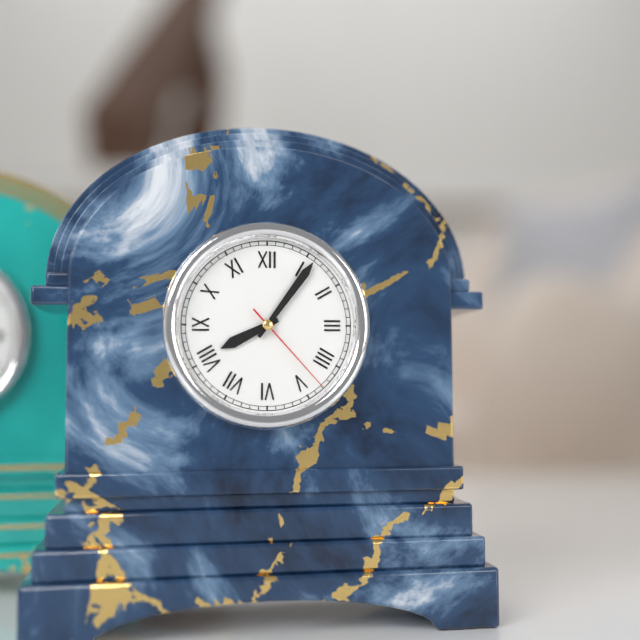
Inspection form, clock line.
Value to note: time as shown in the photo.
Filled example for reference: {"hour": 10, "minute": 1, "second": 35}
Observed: {"hour": 8, "minute": 6, "second": 23}
